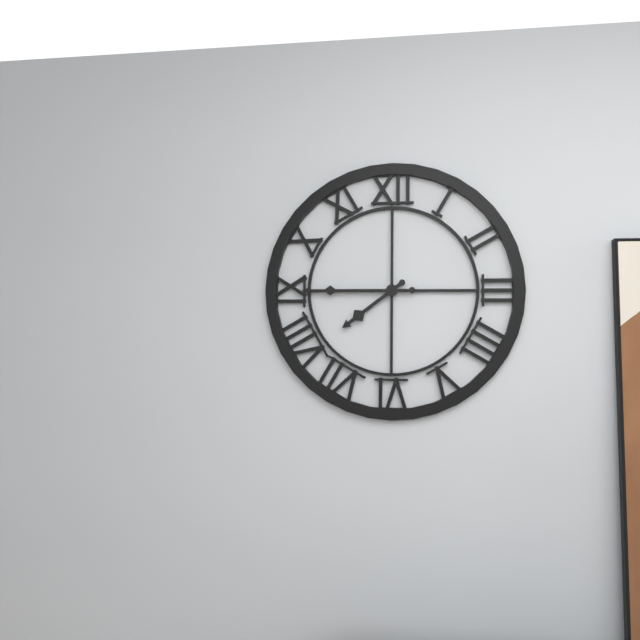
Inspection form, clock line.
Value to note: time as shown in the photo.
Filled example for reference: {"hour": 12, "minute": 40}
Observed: {"hour": 7, "minute": 45}
